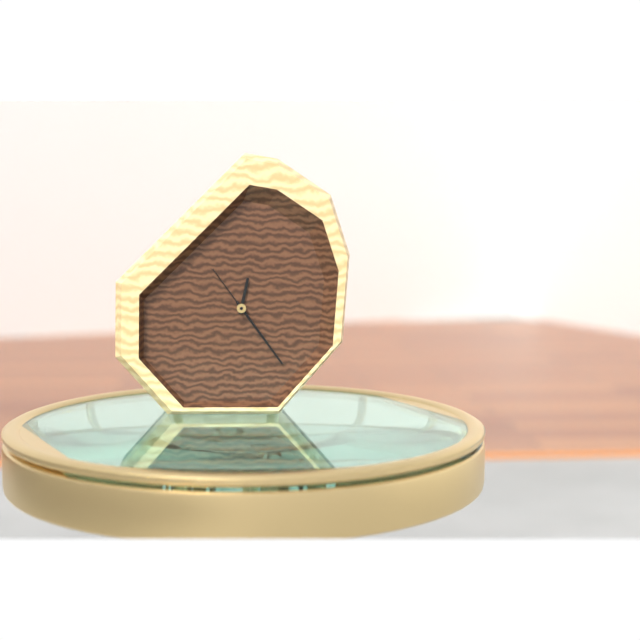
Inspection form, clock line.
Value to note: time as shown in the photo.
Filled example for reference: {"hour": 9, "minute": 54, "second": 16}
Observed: {"hour": 12, "minute": 24, "second": 54}
